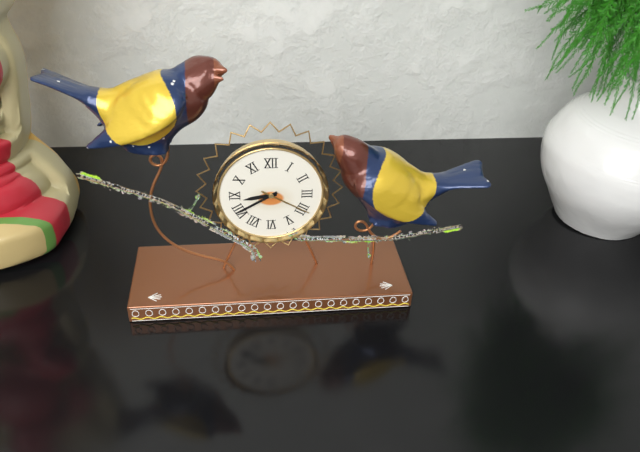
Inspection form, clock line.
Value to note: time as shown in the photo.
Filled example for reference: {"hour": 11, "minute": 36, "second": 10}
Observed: {"hour": 8, "minute": 40, "second": 20}
